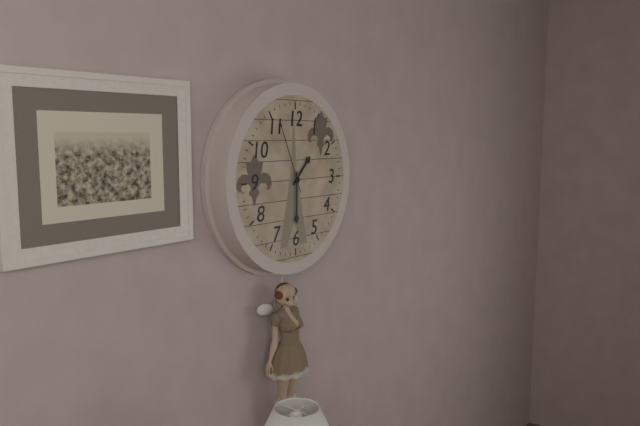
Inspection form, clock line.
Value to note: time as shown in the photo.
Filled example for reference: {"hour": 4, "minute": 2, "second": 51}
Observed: {"hour": 1, "minute": 30, "second": 56}
